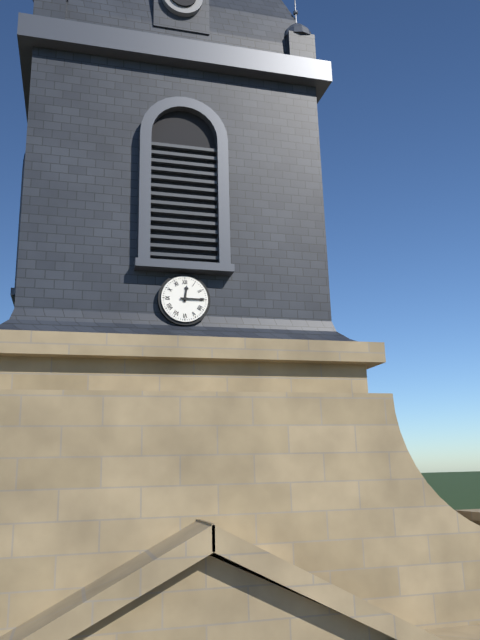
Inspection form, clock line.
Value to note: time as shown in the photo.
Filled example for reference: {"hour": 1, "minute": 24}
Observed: {"hour": 12, "minute": 15}
